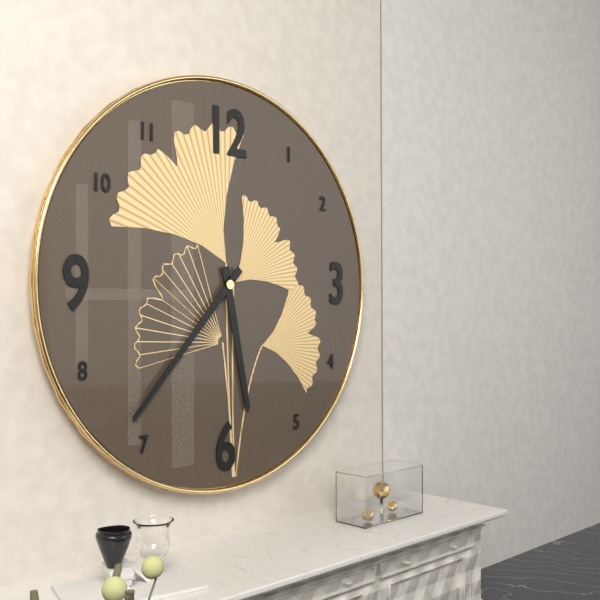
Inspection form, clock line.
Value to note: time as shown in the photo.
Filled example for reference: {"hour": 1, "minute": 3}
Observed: {"hour": 5, "minute": 37}
